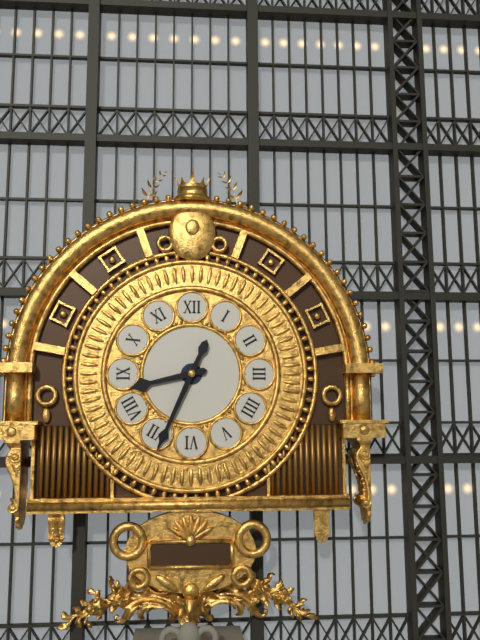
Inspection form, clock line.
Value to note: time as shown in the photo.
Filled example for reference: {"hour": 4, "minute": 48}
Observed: {"hour": 8, "minute": 34}
